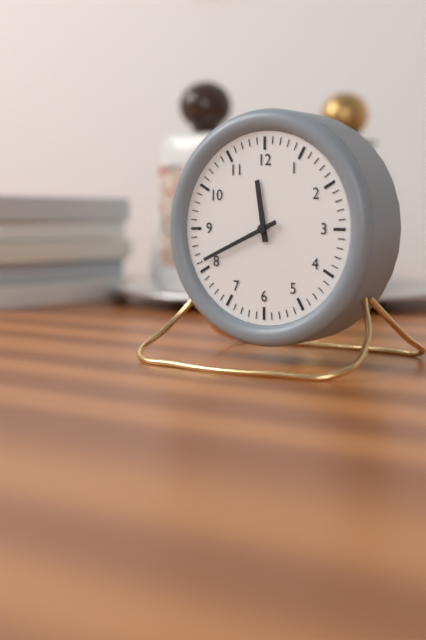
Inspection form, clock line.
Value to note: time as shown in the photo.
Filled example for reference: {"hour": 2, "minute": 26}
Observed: {"hour": 11, "minute": 41}
